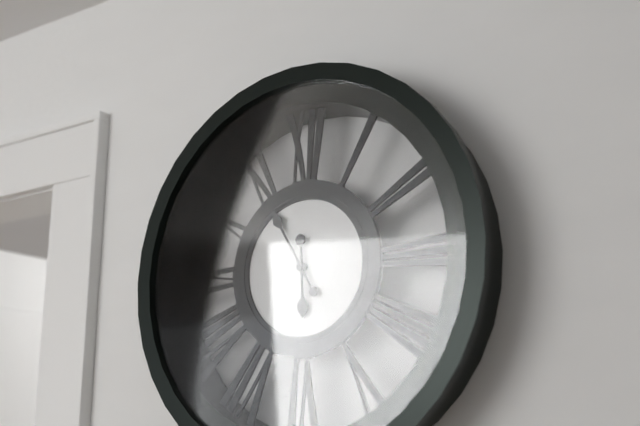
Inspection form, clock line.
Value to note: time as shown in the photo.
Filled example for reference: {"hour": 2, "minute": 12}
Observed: {"hour": 5, "minute": 55}
